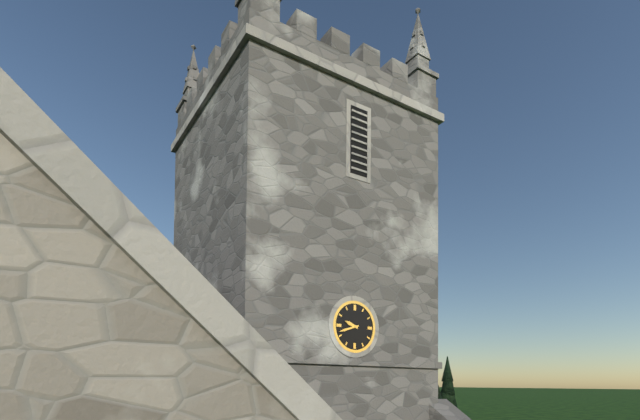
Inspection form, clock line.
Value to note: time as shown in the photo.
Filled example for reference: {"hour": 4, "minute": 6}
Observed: {"hour": 9, "minute": 42}
